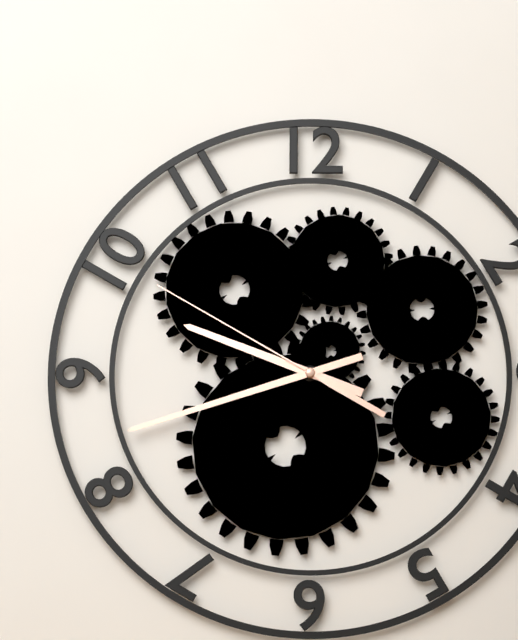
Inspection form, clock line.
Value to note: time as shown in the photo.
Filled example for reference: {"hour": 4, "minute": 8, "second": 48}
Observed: {"hour": 9, "minute": 42, "second": 50}
